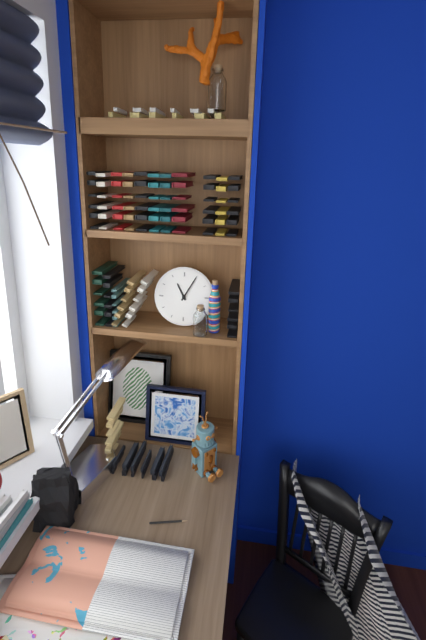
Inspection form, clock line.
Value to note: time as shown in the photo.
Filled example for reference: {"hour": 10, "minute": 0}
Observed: {"hour": 11, "minute": 5}
